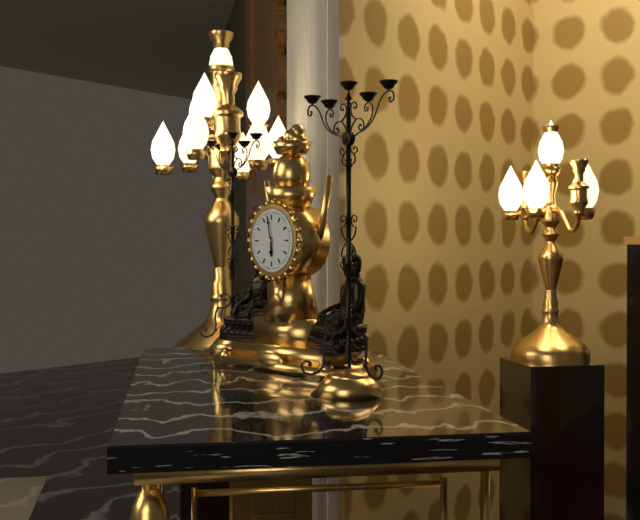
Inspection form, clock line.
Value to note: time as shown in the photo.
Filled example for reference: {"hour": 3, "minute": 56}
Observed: {"hour": 5, "minute": 58}
